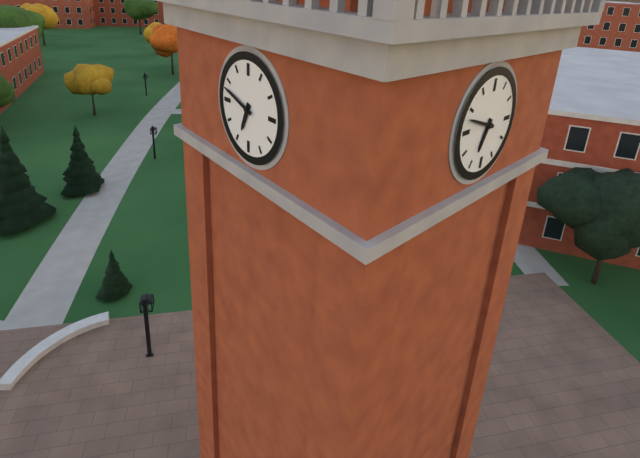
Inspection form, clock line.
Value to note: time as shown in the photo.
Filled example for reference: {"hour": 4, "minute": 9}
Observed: {"hour": 6, "minute": 48}
